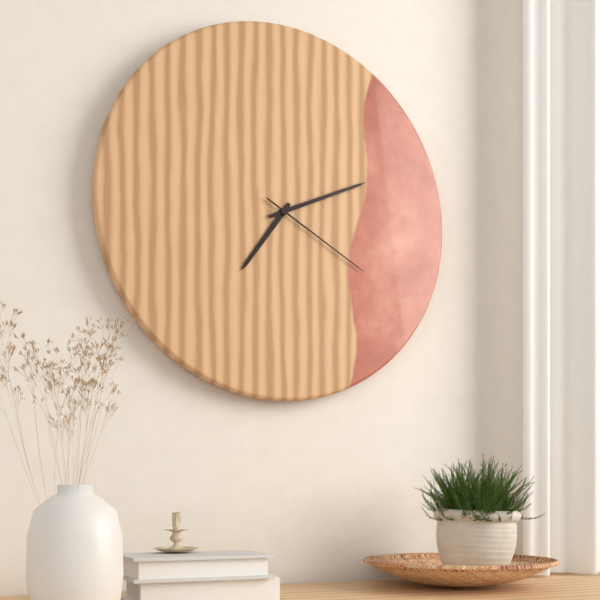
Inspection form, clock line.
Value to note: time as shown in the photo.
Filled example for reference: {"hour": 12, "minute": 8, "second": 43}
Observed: {"hour": 7, "minute": 11, "second": 20}
